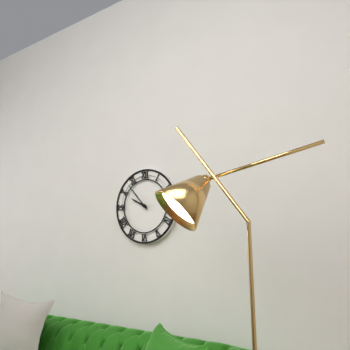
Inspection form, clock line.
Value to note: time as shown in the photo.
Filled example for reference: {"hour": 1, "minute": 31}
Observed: {"hour": 9, "minute": 53}
